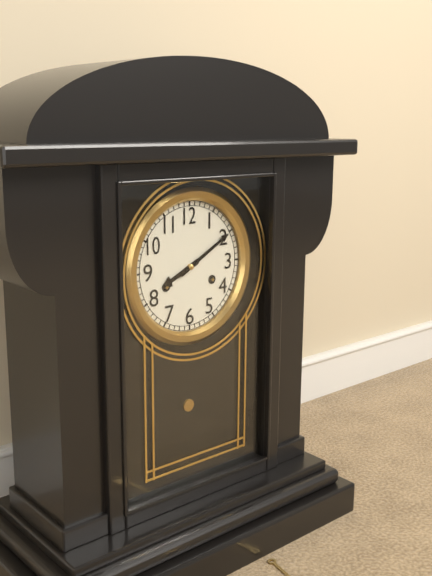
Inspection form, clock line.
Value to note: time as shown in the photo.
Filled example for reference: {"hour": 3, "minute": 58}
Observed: {"hour": 8, "minute": 10}
